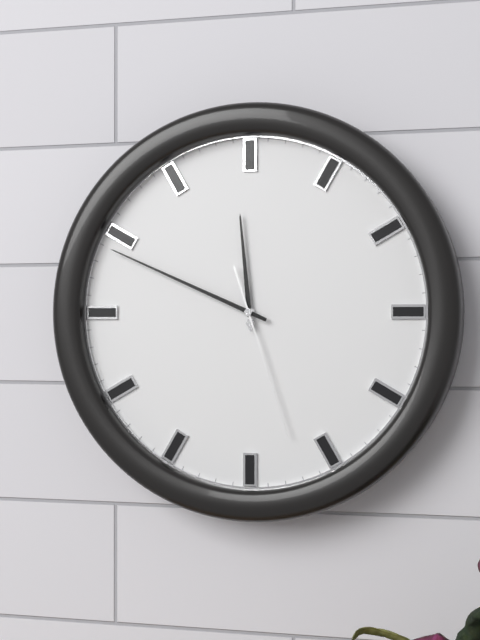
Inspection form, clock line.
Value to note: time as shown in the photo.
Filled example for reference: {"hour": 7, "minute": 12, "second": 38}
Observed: {"hour": 11, "minute": 49, "second": 27}
